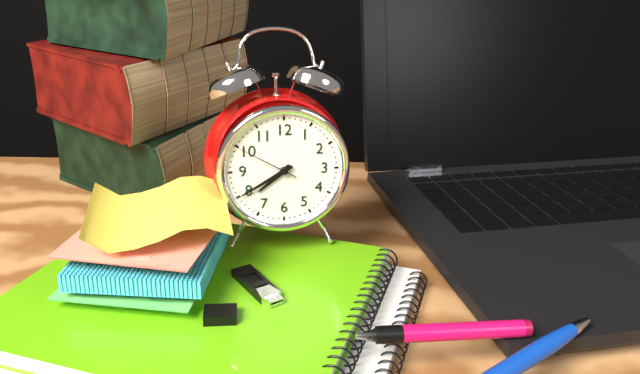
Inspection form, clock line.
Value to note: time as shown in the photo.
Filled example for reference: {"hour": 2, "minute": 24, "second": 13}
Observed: {"hour": 7, "minute": 40, "second": 50}
